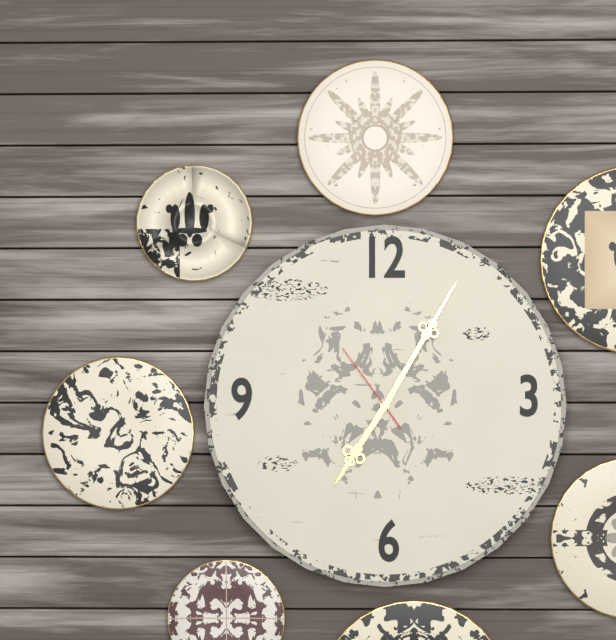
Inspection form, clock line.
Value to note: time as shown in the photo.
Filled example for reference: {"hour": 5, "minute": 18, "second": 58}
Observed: {"hour": 7, "minute": 5, "second": 54}
